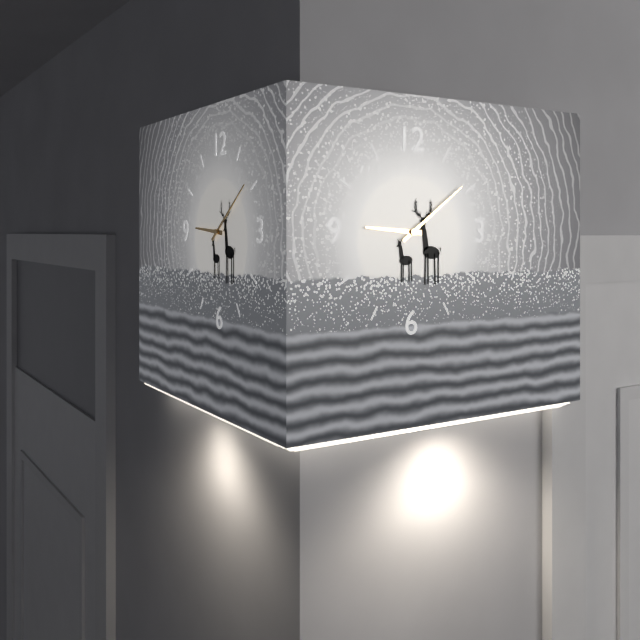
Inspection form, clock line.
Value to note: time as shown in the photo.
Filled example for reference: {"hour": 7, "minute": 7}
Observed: {"hour": 9, "minute": 9}
